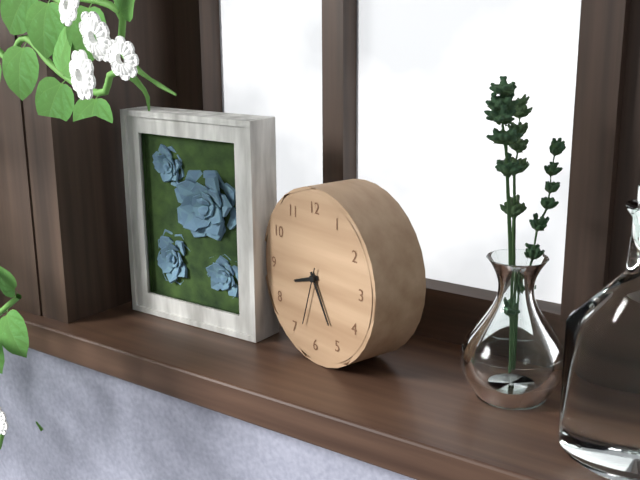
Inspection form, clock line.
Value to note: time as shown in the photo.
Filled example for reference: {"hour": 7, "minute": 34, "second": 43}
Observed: {"hour": 8, "minute": 25, "second": 33}
